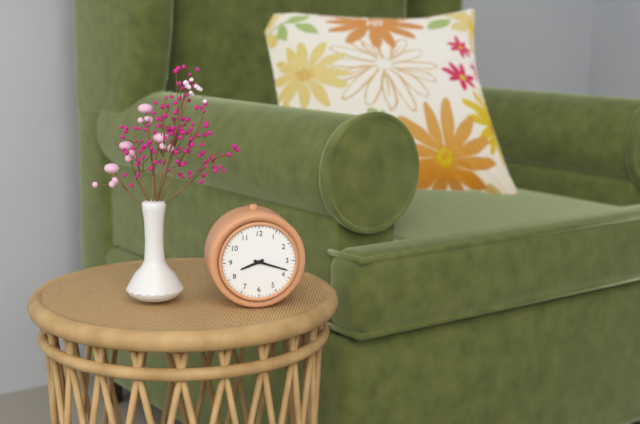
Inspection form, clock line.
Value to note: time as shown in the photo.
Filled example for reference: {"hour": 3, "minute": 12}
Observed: {"hour": 8, "minute": 18}
